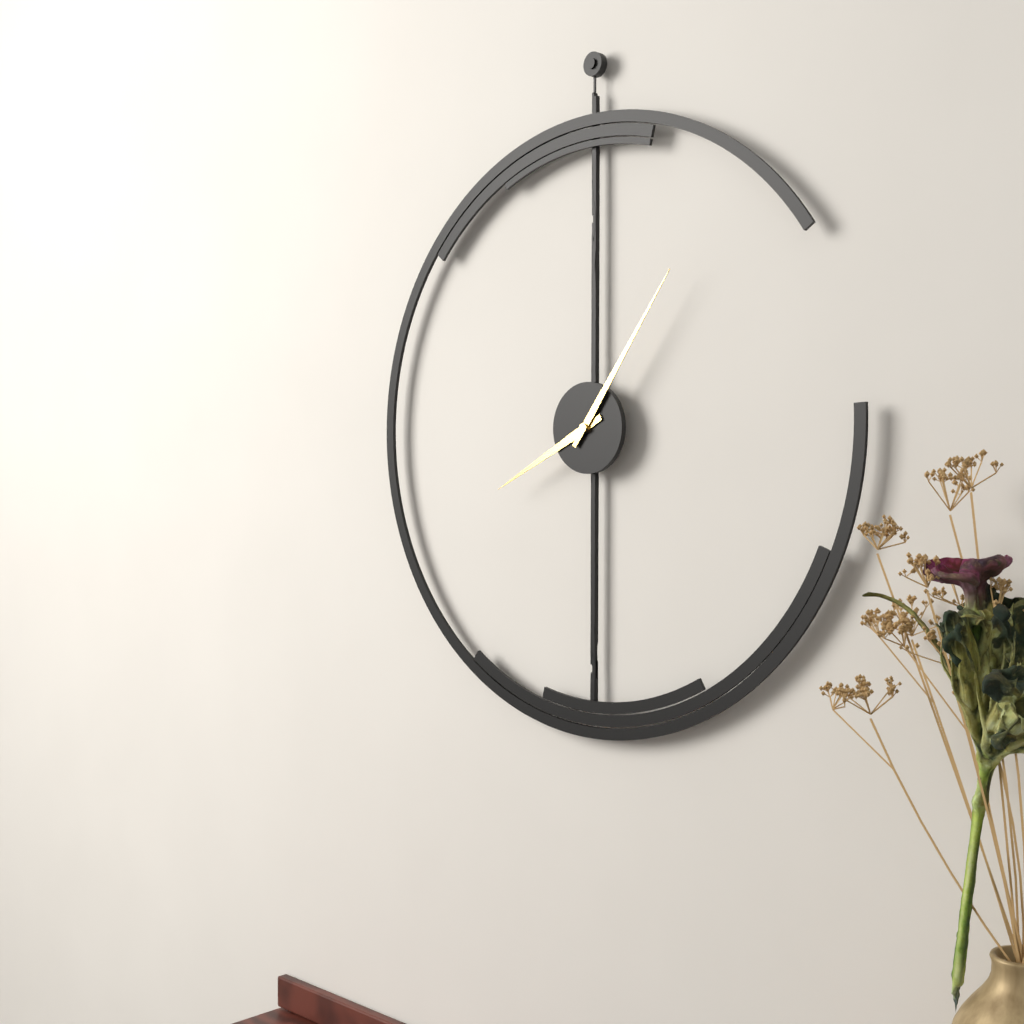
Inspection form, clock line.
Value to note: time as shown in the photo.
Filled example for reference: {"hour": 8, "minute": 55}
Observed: {"hour": 8, "minute": 6}
